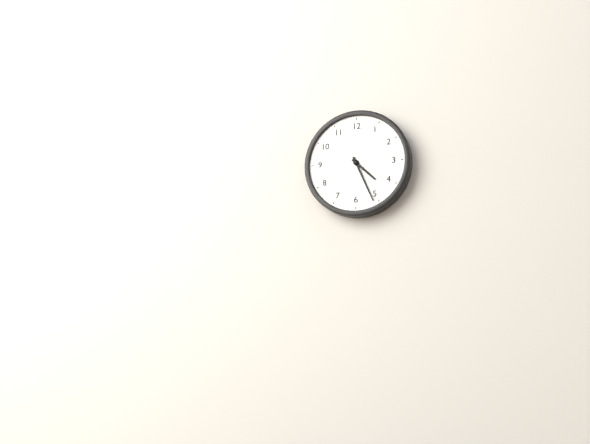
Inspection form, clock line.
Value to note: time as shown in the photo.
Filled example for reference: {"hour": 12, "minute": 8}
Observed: {"hour": 4, "minute": 26}
